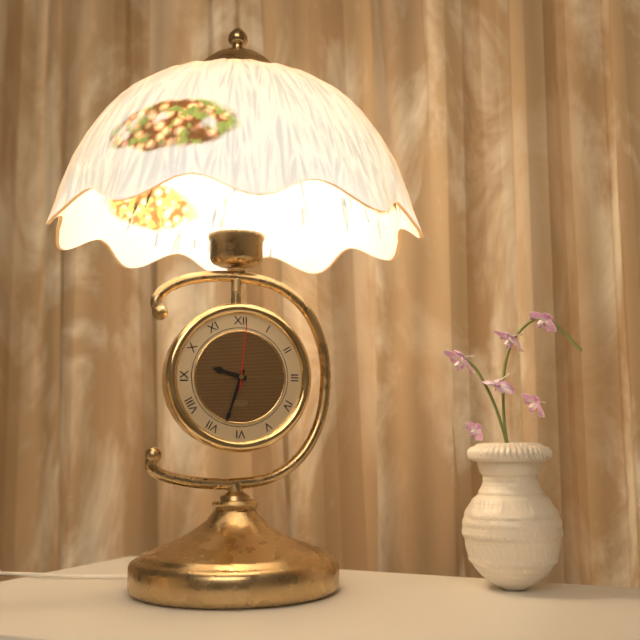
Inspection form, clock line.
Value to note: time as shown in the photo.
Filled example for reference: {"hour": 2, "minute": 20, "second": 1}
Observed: {"hour": 9, "minute": 33, "second": 1}
